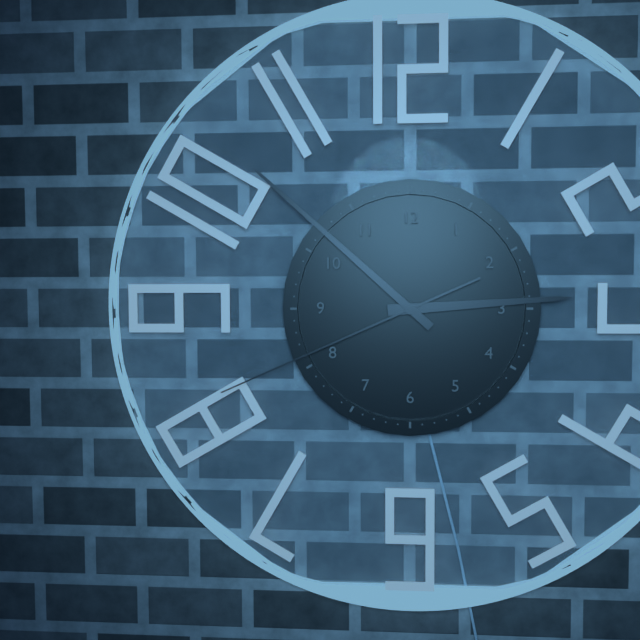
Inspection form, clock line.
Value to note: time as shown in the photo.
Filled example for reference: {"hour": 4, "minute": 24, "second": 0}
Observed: {"hour": 2, "minute": 52, "second": 41}
